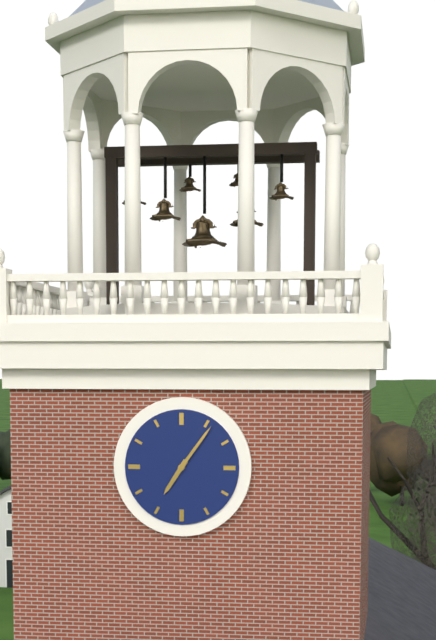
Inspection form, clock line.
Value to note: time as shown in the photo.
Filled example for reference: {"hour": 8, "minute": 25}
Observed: {"hour": 7, "minute": 6}
